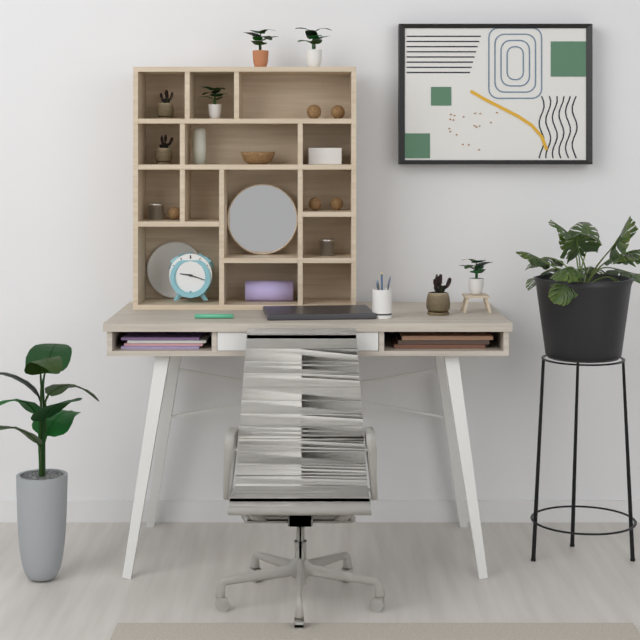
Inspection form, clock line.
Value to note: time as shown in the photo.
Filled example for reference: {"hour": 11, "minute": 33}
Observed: {"hour": 9, "minute": 18}
